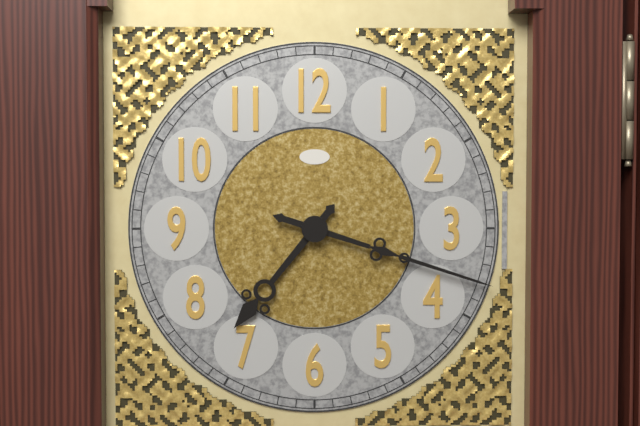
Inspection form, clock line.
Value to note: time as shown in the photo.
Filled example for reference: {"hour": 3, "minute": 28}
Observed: {"hour": 7, "minute": 18}
